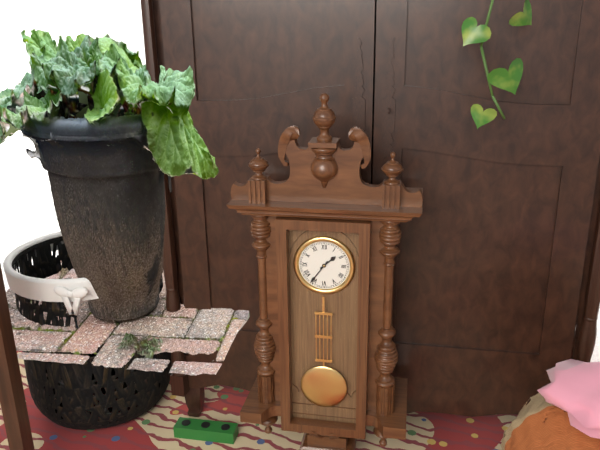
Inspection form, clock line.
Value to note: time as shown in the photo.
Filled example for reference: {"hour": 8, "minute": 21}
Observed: {"hour": 1, "minute": 36}
